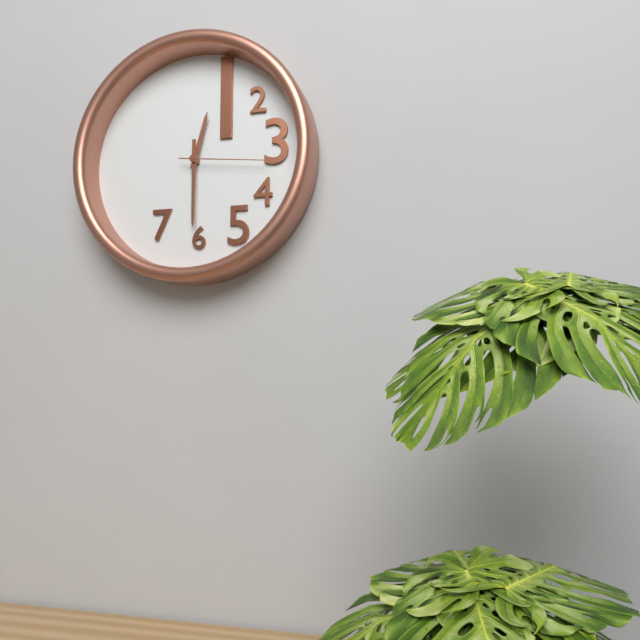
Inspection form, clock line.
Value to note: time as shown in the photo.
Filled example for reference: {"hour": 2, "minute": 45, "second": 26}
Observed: {"hour": 12, "minute": 30, "second": 16}
